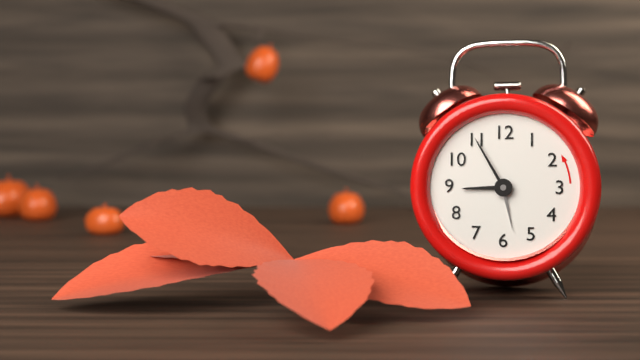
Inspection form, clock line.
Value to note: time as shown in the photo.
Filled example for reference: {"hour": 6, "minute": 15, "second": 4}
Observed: {"hour": 8, "minute": 55, "second": 28}
